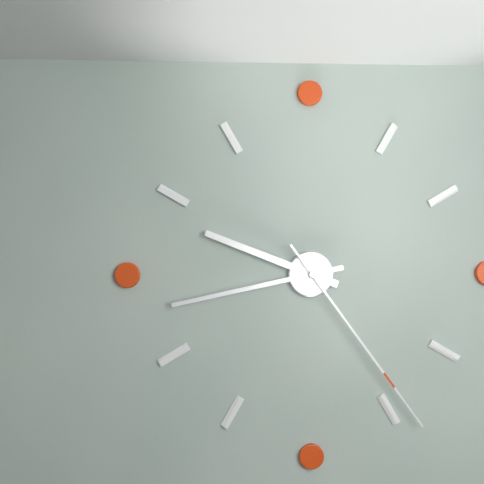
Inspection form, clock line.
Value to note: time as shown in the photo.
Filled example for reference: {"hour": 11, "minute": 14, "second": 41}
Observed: {"hour": 9, "minute": 43, "second": 24}
